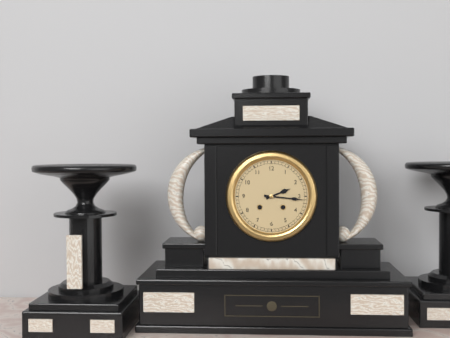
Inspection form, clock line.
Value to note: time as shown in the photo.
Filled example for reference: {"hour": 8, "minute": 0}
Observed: {"hour": 2, "minute": 16}
